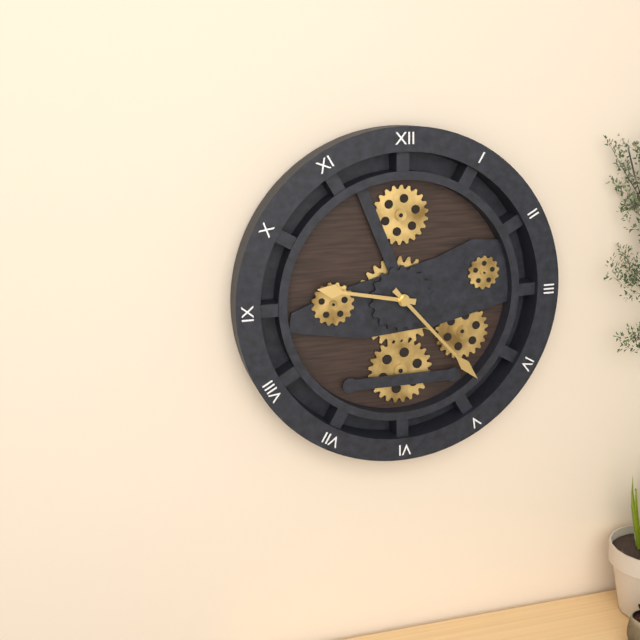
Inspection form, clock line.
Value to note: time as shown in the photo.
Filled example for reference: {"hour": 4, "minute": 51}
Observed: {"hour": 9, "minute": 23}
